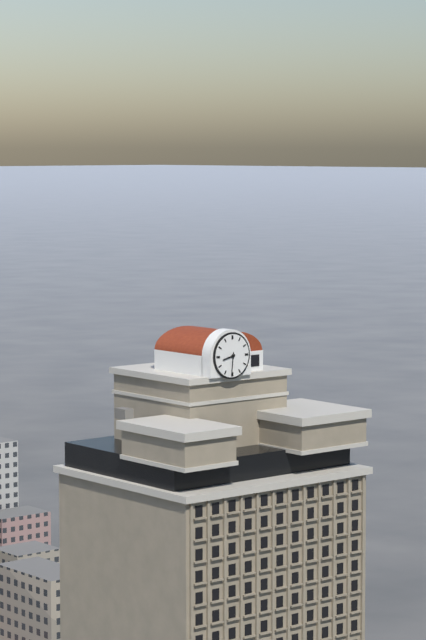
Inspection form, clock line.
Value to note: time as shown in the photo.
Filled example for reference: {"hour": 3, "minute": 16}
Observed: {"hour": 8, "minute": 31}
